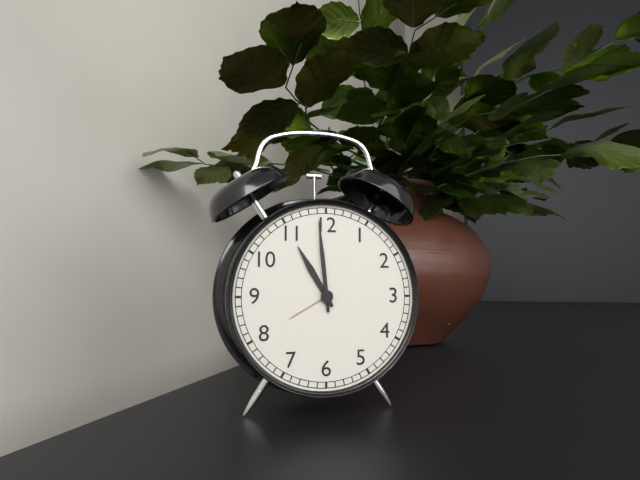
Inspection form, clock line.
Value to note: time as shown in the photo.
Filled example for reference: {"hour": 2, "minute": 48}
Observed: {"hour": 10, "minute": 59}
